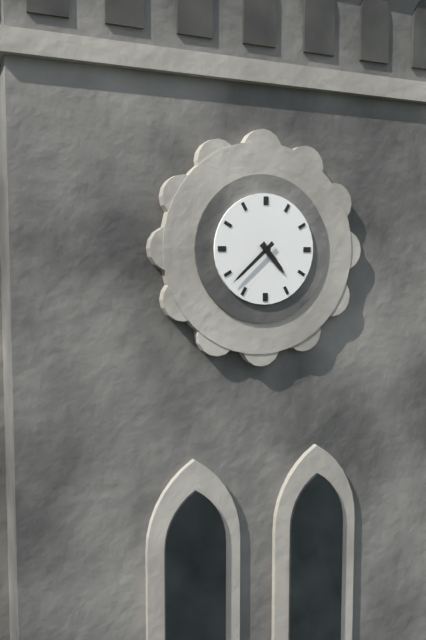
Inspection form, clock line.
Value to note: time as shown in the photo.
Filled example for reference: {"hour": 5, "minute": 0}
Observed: {"hour": 4, "minute": 38}
